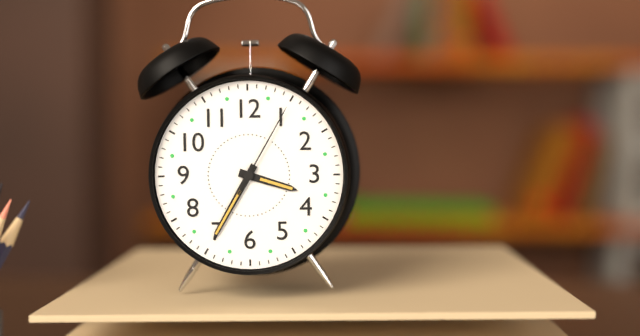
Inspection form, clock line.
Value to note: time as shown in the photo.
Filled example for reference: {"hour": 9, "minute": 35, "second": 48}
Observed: {"hour": 3, "minute": 35, "second": 5}
